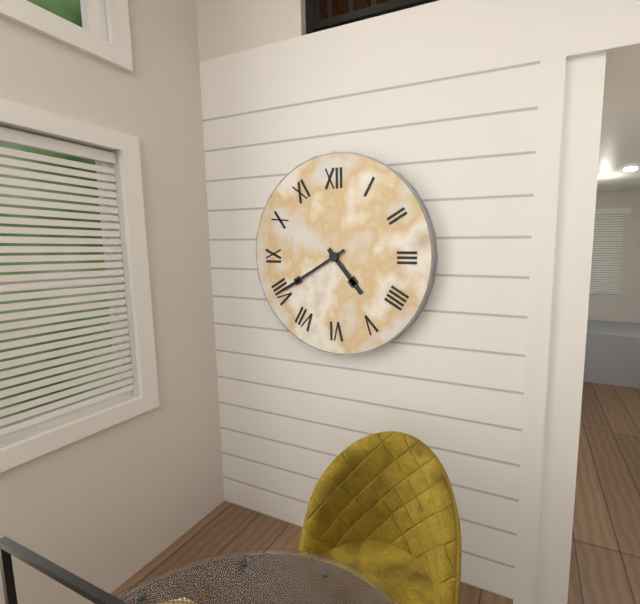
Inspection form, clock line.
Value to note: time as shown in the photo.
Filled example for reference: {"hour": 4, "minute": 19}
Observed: {"hour": 4, "minute": 40}
